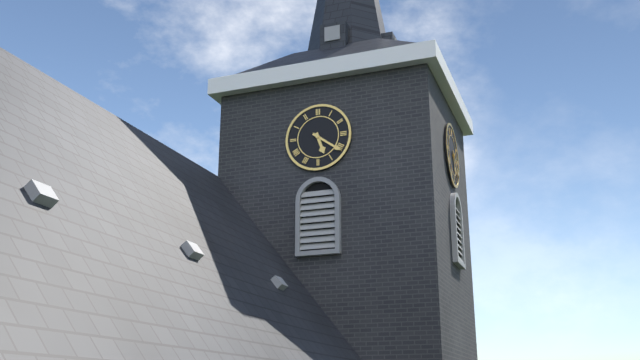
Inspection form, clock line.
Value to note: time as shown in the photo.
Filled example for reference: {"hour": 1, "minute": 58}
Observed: {"hour": 5, "minute": 21}
